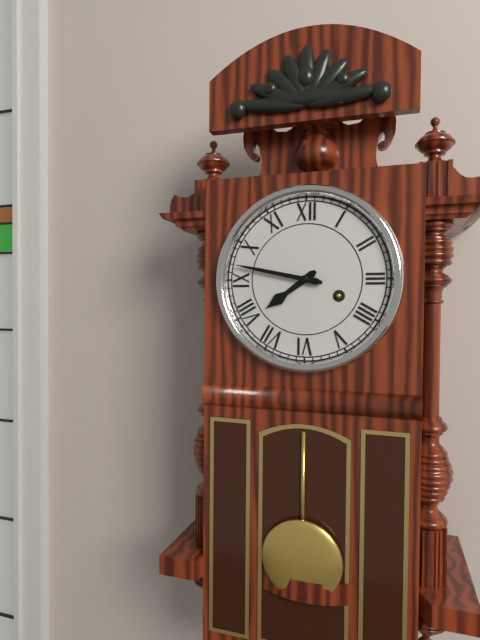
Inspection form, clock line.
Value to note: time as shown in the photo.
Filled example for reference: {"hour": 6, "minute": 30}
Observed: {"hour": 7, "minute": 47}
